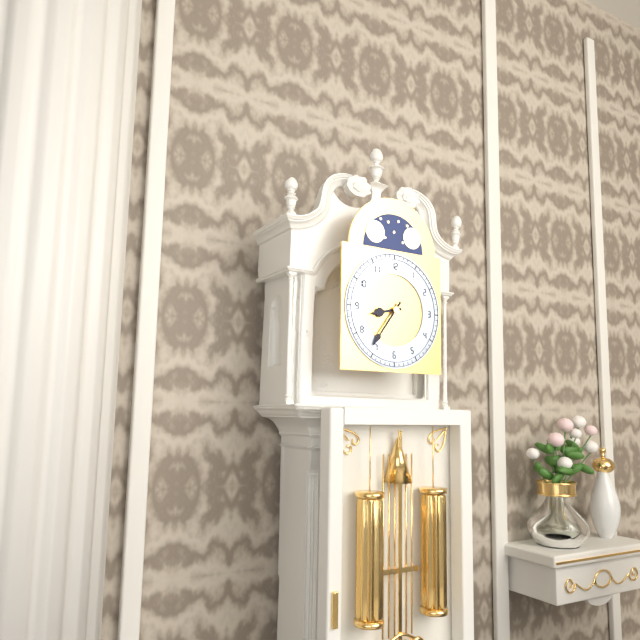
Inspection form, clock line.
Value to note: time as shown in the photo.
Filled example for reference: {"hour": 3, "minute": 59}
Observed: {"hour": 8, "minute": 36}
